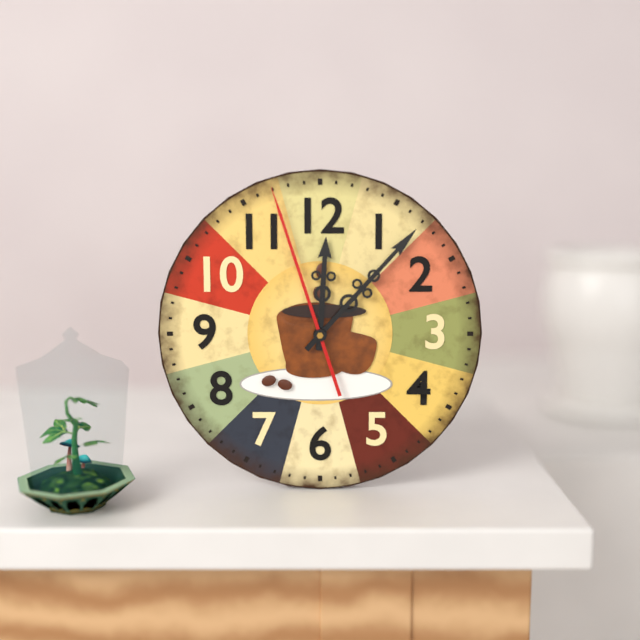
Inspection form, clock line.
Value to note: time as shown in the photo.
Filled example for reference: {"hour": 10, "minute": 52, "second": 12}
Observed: {"hour": 12, "minute": 7, "second": 57}
